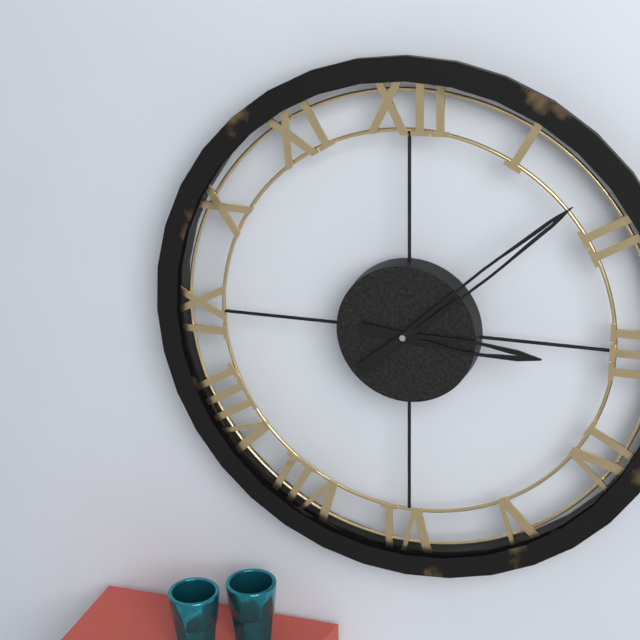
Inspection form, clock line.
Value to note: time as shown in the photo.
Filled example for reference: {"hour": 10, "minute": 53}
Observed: {"hour": 3, "minute": 8}
